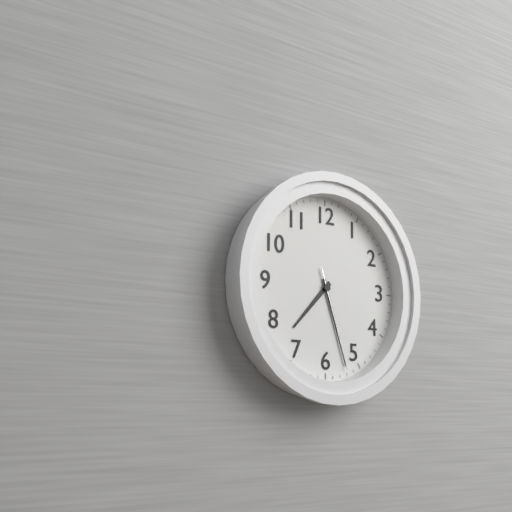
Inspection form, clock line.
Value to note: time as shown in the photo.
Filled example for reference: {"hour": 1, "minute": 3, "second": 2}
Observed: {"hour": 7, "minute": 27, "second": 27}
